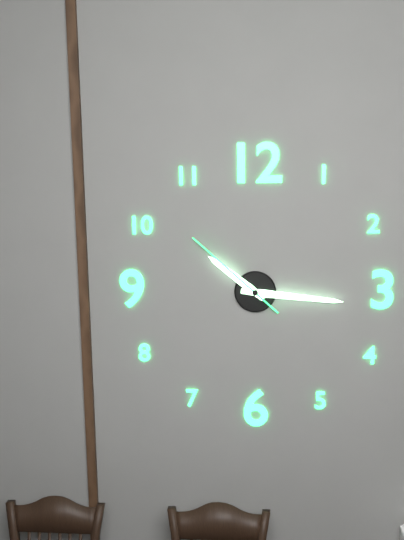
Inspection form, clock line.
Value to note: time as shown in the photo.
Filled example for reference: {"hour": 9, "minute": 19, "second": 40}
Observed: {"hour": 10, "minute": 16, "second": 52}
